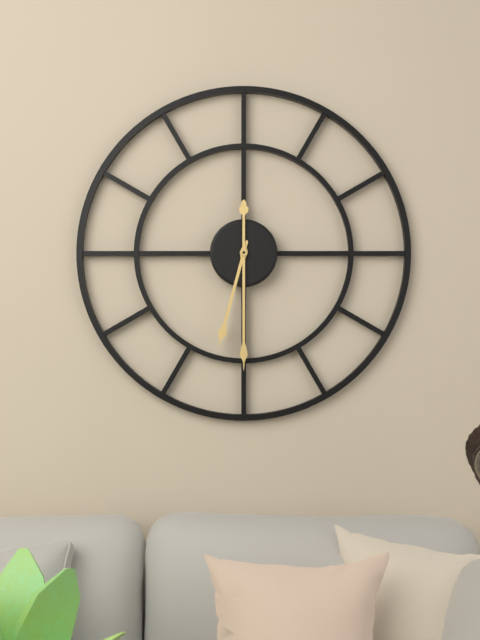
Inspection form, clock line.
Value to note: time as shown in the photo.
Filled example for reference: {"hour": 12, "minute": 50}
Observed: {"hour": 6, "minute": 30}
